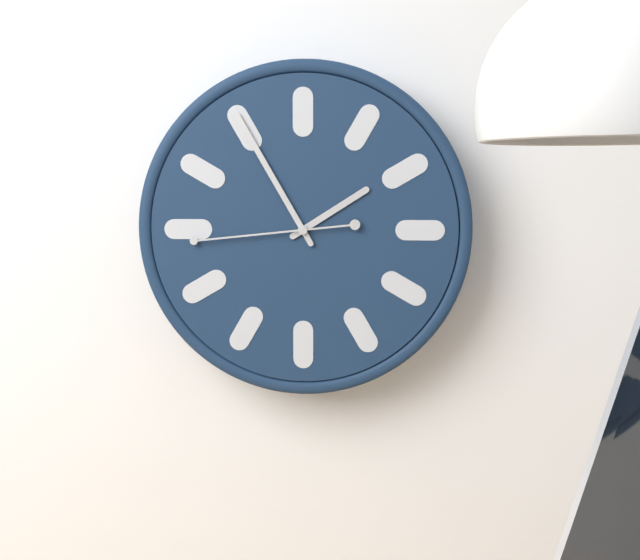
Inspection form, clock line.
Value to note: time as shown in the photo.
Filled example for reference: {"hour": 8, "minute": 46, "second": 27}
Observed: {"hour": 1, "minute": 55, "second": 44}
